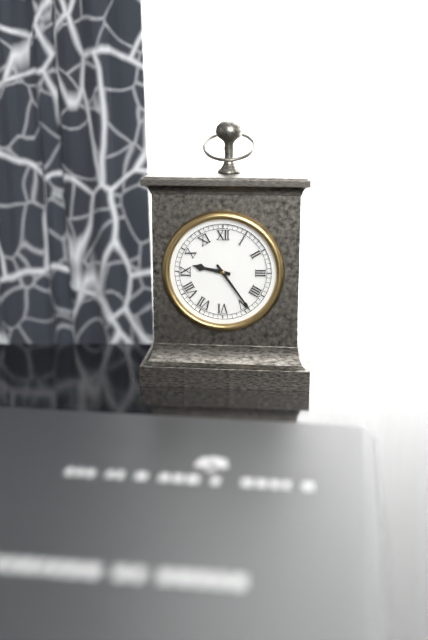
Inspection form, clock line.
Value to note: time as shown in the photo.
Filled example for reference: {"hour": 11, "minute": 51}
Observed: {"hour": 9, "minute": 24}
